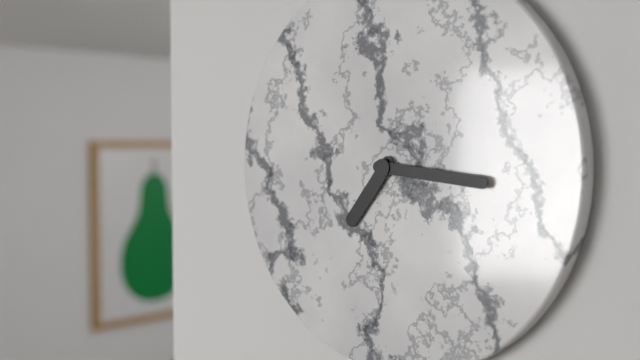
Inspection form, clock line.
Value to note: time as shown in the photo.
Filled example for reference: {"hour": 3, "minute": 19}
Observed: {"hour": 7, "minute": 16}
